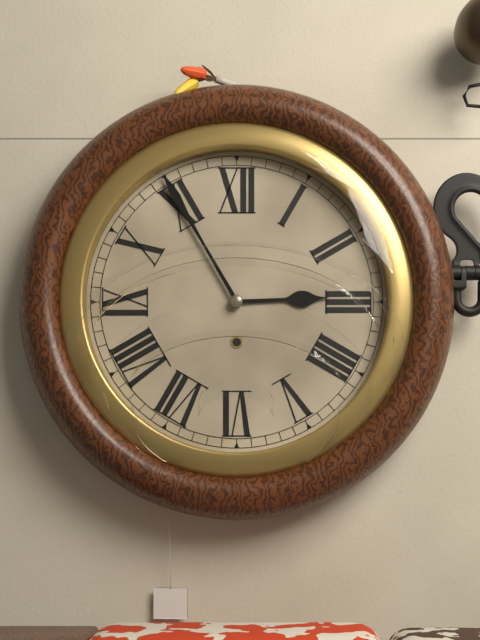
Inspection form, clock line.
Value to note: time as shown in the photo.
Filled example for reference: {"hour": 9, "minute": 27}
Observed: {"hour": 2, "minute": 55}
